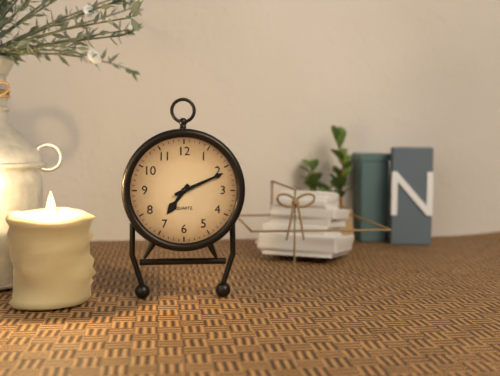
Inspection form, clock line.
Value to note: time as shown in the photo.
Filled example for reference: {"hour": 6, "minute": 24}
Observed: {"hour": 7, "minute": 11}
